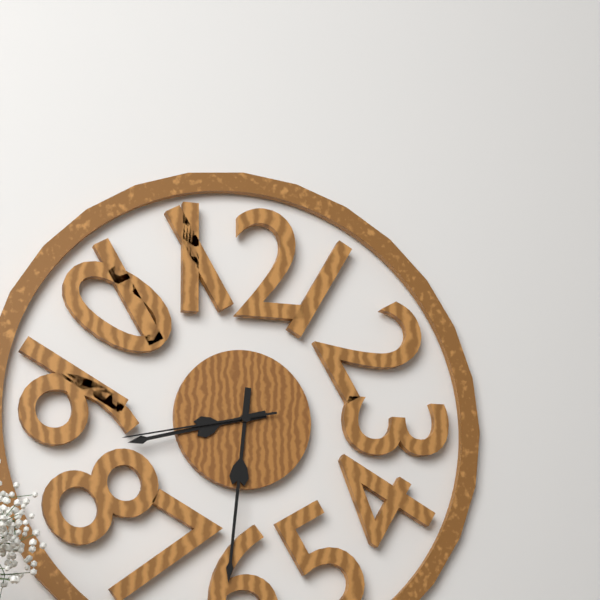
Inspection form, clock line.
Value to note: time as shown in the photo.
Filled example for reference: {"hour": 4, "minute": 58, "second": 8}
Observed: {"hour": 8, "minute": 31, "second": 43}
